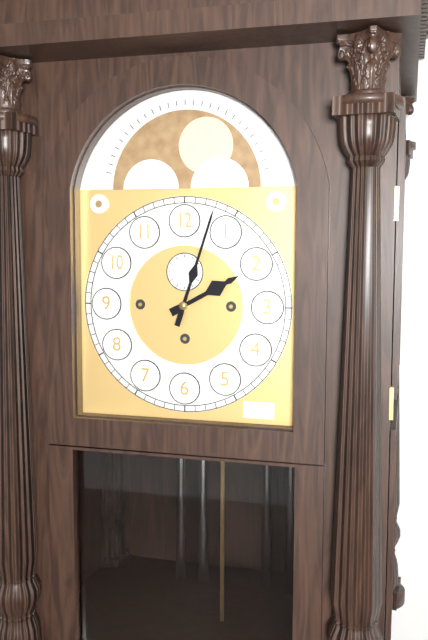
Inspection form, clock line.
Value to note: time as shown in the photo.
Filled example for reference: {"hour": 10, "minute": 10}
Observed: {"hour": 2, "minute": 3}
